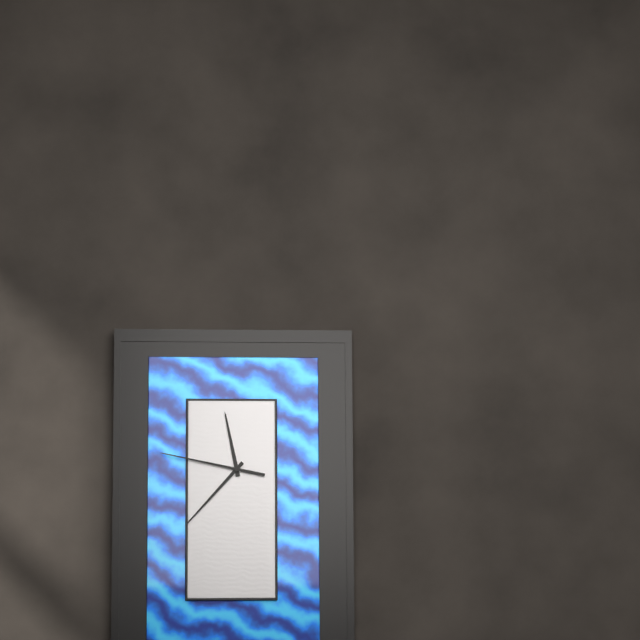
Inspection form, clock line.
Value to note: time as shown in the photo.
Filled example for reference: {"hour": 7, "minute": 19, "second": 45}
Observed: {"hour": 11, "minute": 37, "second": 47}
